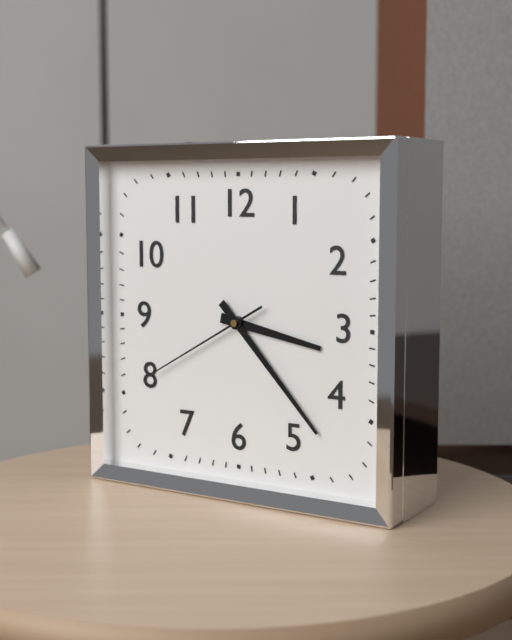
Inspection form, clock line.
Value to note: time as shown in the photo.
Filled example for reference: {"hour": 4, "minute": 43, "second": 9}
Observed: {"hour": 3, "minute": 23, "second": 40}
